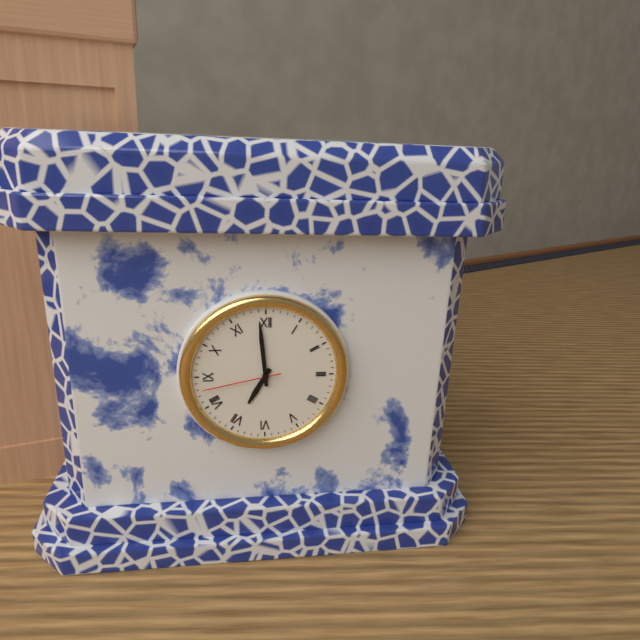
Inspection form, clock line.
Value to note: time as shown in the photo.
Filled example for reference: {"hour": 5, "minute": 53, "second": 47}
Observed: {"hour": 6, "minute": 59, "second": 43}
